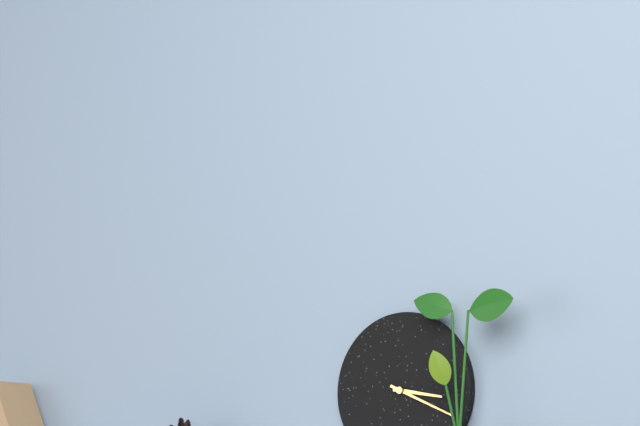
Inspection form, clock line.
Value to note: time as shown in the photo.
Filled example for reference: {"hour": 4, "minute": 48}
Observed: {"hour": 3, "minute": 19}
